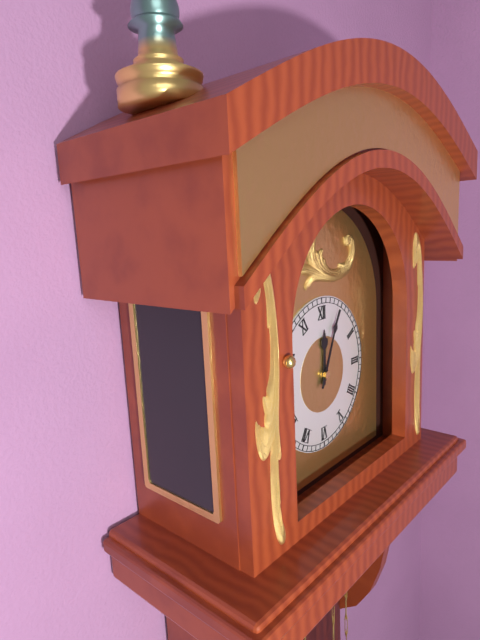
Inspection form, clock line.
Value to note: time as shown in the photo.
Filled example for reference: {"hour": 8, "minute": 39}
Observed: {"hour": 12, "minute": 4}
